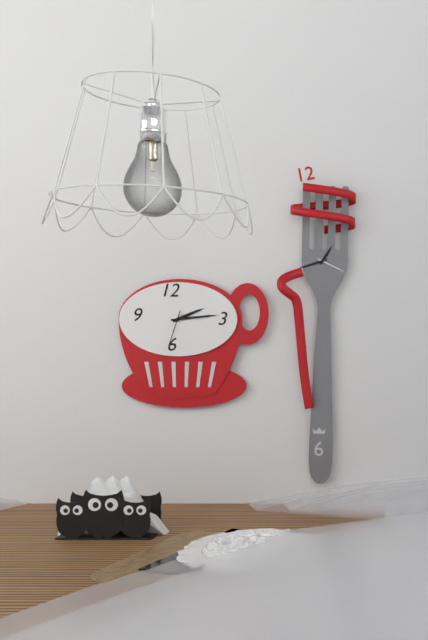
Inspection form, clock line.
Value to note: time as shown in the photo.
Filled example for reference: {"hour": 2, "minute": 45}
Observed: {"hour": 2, "minute": 14}
